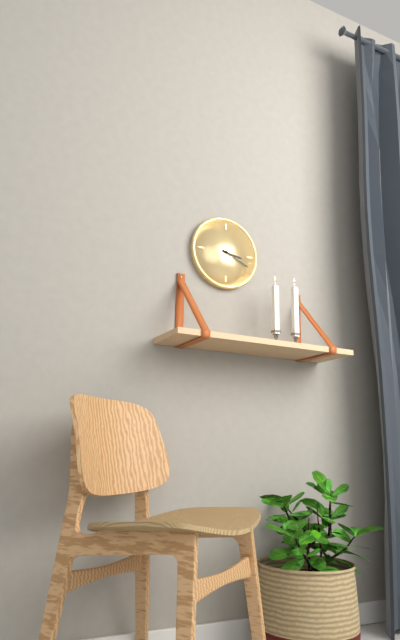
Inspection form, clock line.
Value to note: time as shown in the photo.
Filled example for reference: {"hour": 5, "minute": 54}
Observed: {"hour": 3, "minute": 19}
